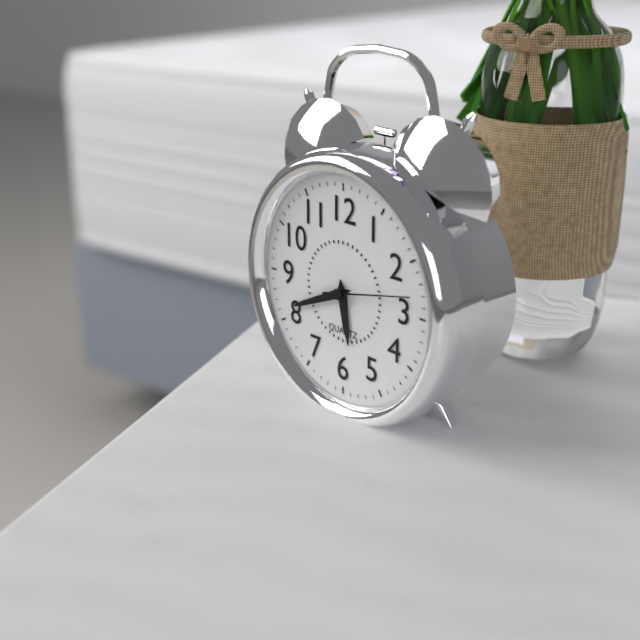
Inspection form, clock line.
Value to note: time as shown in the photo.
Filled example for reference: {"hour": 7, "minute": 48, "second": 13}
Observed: {"hour": 5, "minute": 41, "second": 13}
